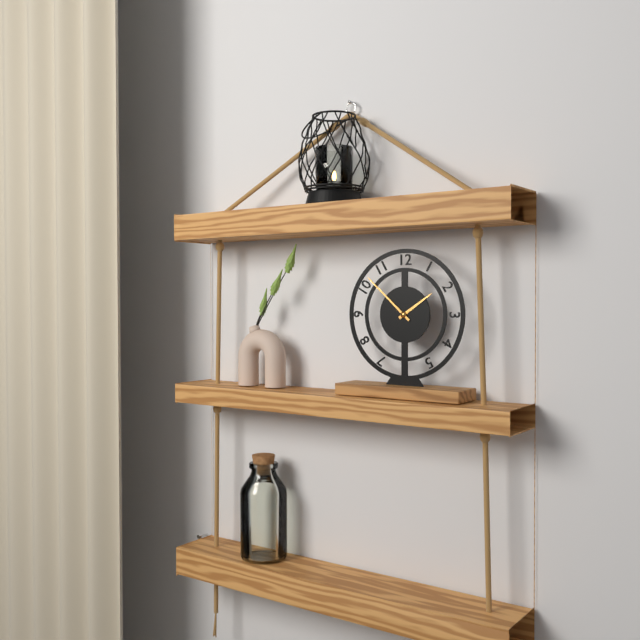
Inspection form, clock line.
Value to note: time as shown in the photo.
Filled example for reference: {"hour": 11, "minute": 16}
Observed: {"hour": 1, "minute": 52}
